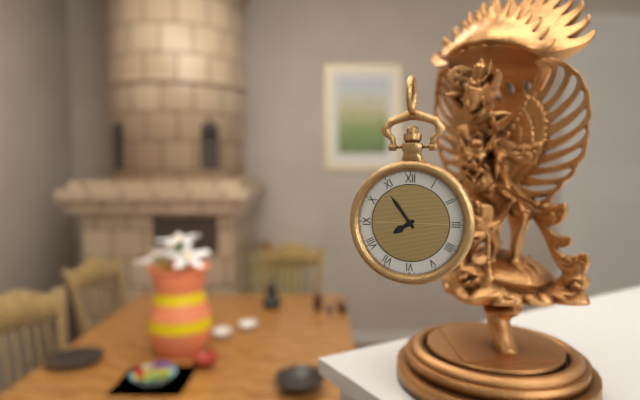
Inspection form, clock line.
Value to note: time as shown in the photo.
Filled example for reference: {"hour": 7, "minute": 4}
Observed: {"hour": 7, "minute": 54}
